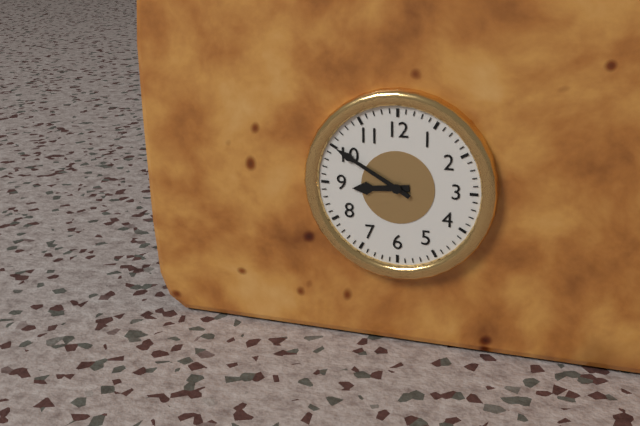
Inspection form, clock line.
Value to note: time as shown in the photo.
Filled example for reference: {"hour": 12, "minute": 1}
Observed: {"hour": 8, "minute": 50}
